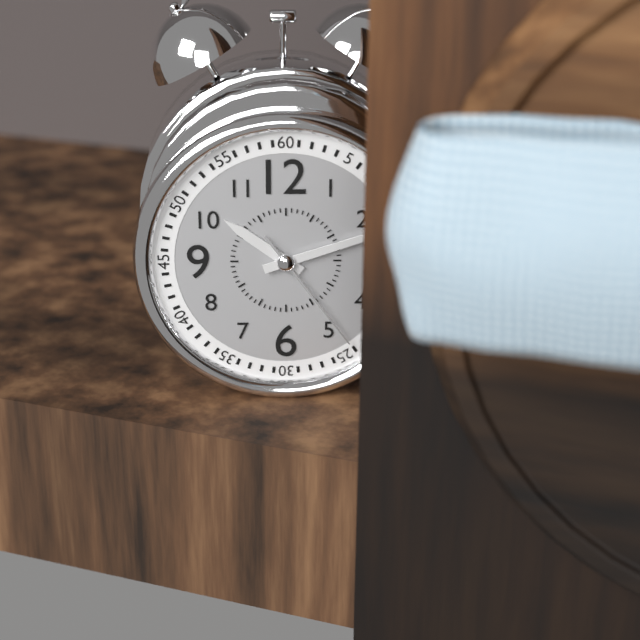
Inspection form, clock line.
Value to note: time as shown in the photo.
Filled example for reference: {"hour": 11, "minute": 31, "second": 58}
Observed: {"hour": 10, "minute": 12, "second": 24}
